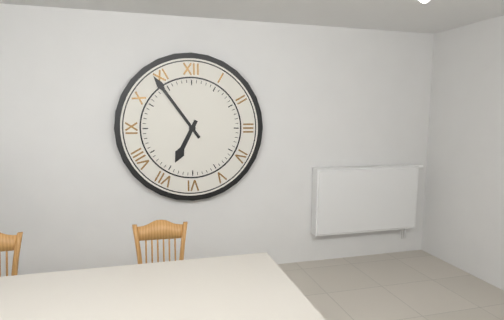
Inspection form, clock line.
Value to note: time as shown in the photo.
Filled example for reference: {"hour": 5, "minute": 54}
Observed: {"hour": 6, "minute": 54}
